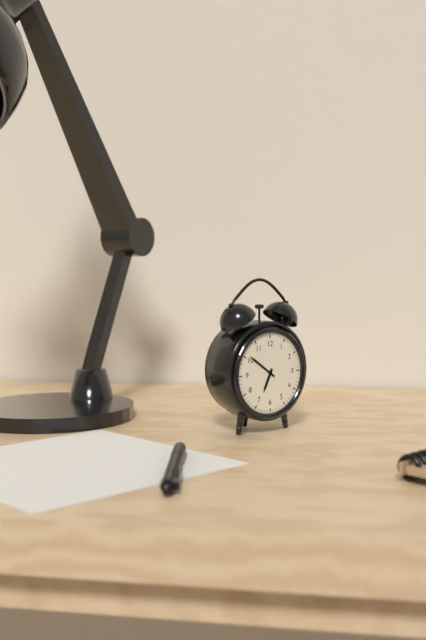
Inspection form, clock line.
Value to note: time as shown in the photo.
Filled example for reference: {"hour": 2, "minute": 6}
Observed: {"hour": 6, "minute": 51}
